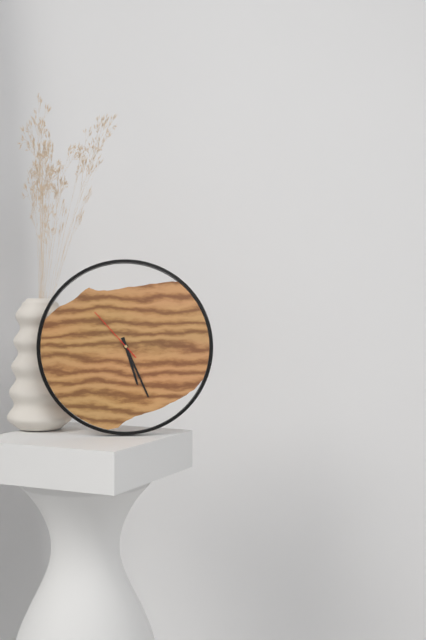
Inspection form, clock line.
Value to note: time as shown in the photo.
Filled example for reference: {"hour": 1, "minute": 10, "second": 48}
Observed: {"hour": 5, "minute": 26, "second": 53}
